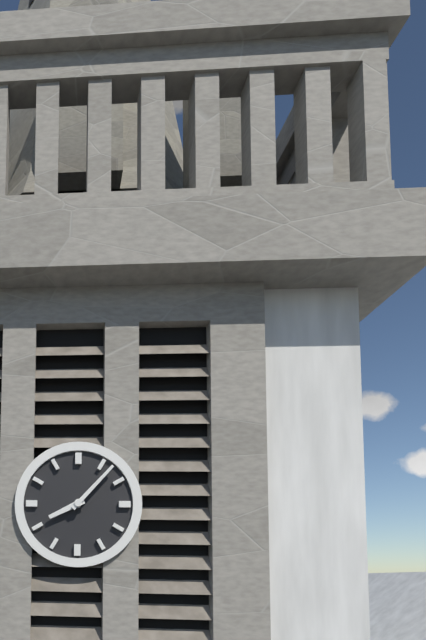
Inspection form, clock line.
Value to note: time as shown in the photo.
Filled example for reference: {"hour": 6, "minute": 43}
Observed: {"hour": 8, "minute": 7}
